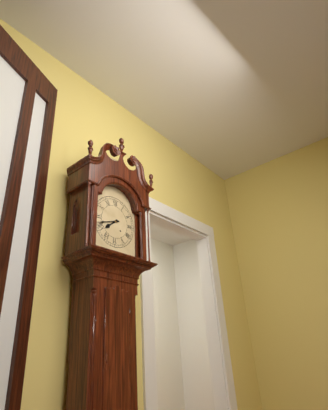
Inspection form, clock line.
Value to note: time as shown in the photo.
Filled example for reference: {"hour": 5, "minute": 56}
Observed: {"hour": 7, "minute": 42}
